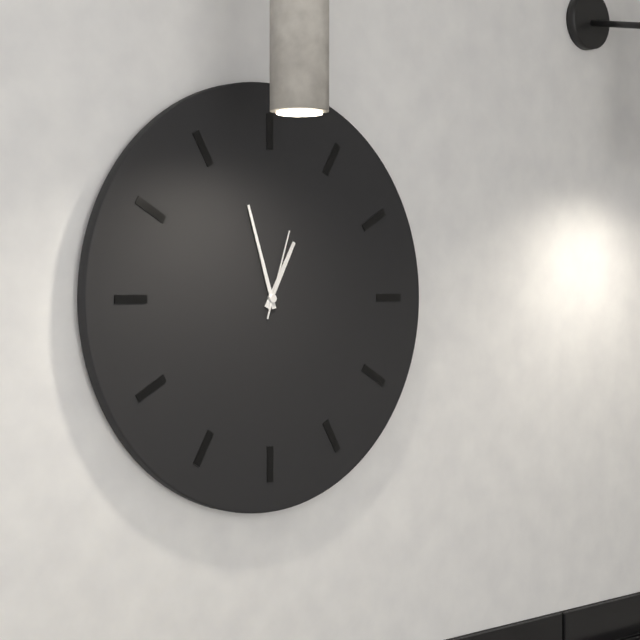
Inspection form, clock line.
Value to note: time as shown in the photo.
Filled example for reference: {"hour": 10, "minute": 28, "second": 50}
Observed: {"hour": 12, "minute": 57, "second": 3}
